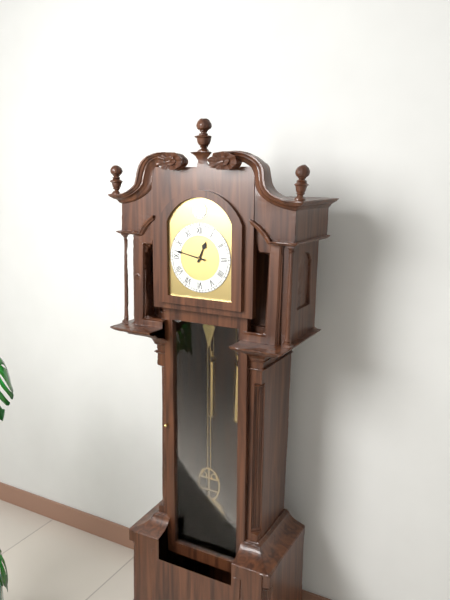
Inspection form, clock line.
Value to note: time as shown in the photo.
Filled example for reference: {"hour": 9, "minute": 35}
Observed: {"hour": 12, "minute": 47}
